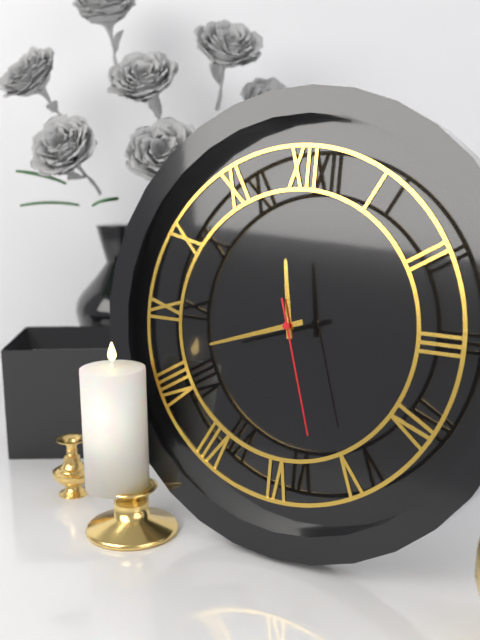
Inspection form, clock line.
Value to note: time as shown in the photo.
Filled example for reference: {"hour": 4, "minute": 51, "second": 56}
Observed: {"hour": 11, "minute": 42, "second": 27}
